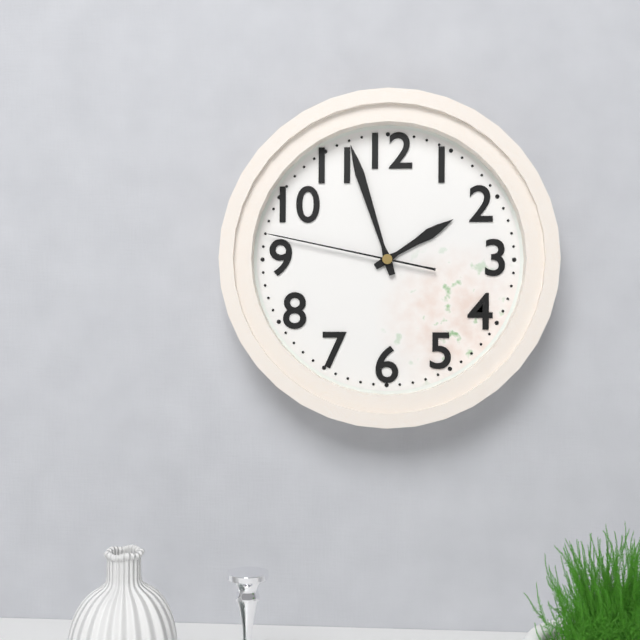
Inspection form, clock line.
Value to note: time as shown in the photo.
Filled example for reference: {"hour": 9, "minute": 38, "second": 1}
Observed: {"hour": 1, "minute": 57, "second": 47}
